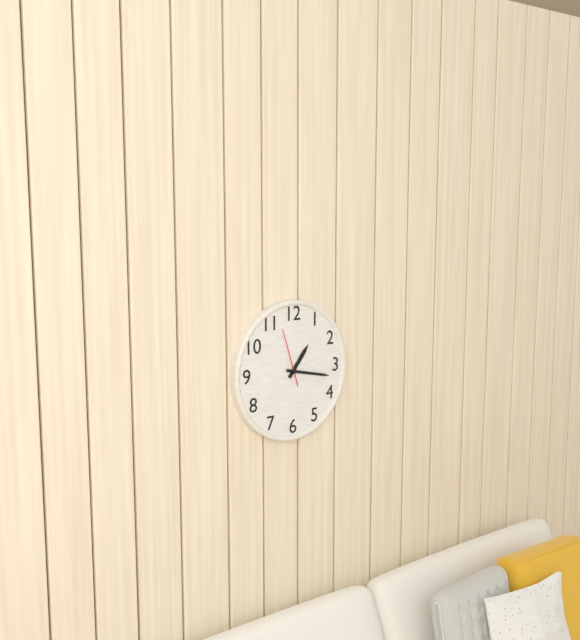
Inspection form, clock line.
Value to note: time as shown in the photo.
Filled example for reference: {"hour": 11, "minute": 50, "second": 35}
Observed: {"hour": 1, "minute": 17, "second": 57}
